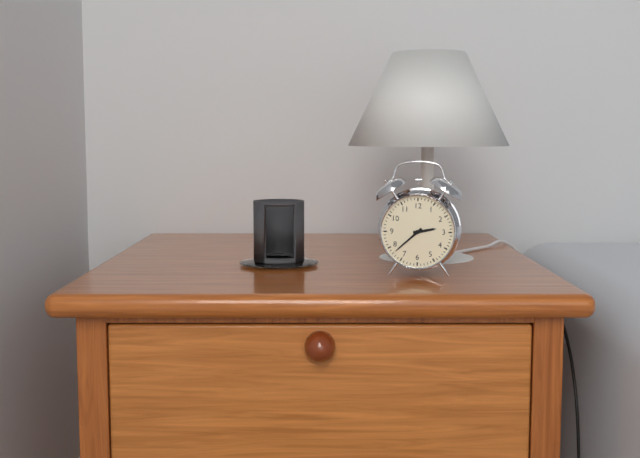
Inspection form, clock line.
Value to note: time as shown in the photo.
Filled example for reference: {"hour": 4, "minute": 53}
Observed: {"hour": 2, "minute": 38}
